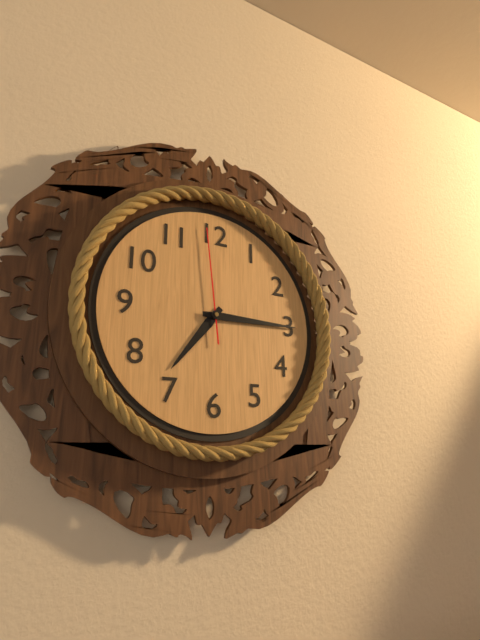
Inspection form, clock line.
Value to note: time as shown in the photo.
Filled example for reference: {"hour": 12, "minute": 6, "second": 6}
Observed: {"hour": 7, "minute": 15, "second": 59}
